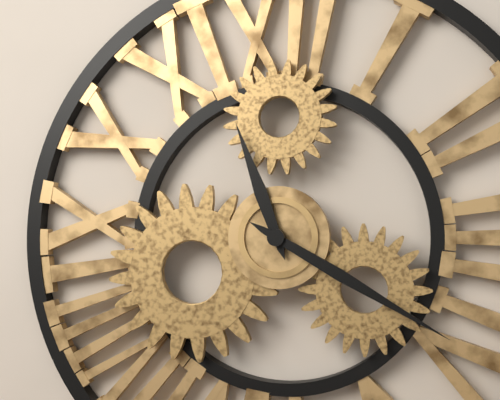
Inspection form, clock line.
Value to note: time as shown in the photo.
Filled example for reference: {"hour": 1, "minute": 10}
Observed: {"hour": 11, "minute": 20}
